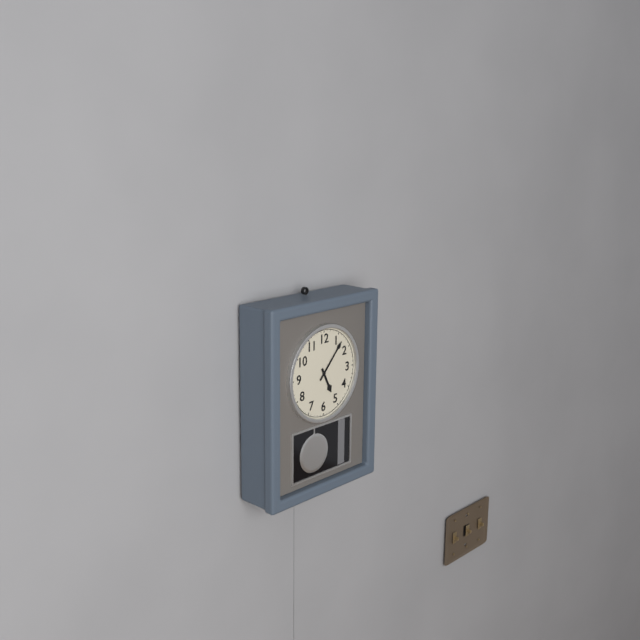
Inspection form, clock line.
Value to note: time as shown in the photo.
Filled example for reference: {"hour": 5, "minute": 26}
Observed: {"hour": 5, "minute": 7}
